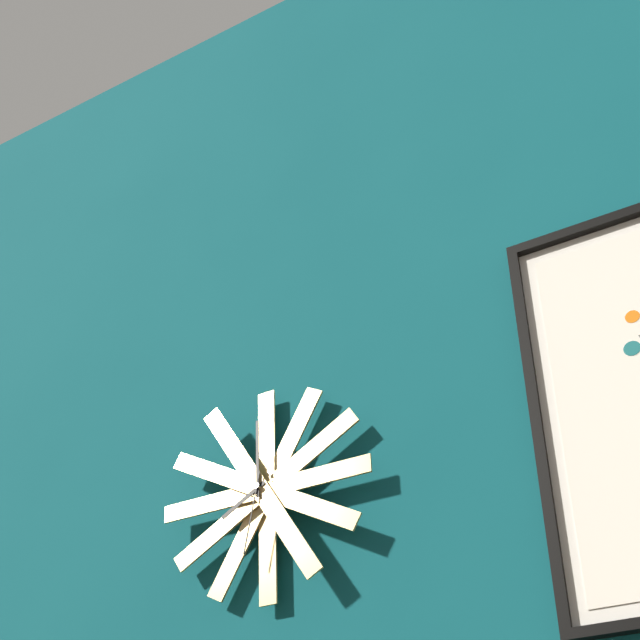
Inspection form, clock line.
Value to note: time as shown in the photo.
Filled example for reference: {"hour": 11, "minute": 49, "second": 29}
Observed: {"hour": 8, "minute": 0, "second": 32}
